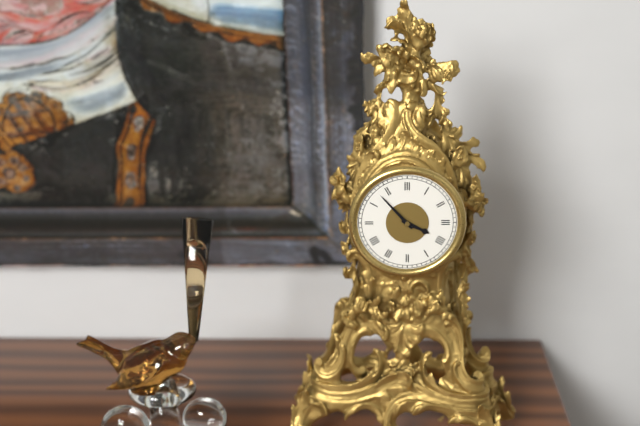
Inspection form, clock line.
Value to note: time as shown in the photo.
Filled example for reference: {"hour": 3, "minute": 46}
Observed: {"hour": 3, "minute": 53}
